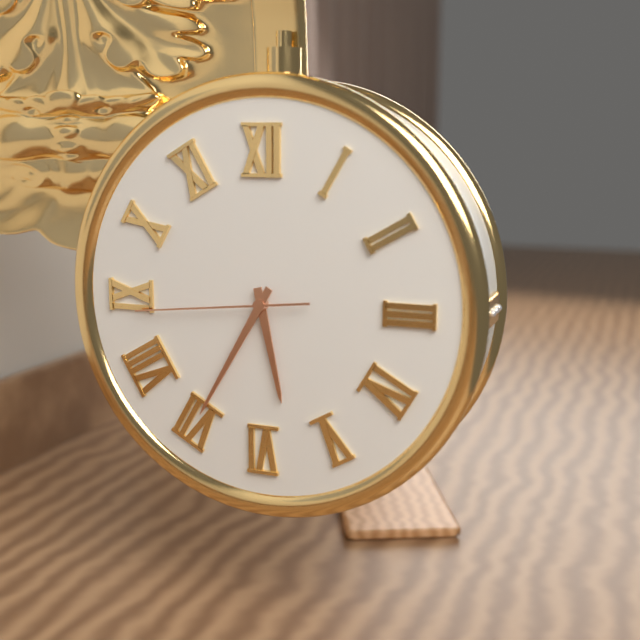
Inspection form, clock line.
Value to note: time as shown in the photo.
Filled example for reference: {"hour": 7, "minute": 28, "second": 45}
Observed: {"hour": 5, "minute": 35, "second": 44}
